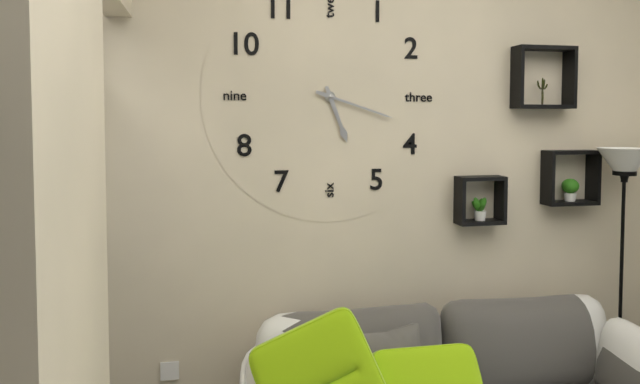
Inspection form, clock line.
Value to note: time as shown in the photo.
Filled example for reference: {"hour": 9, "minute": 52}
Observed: {"hour": 5, "minute": 18}
